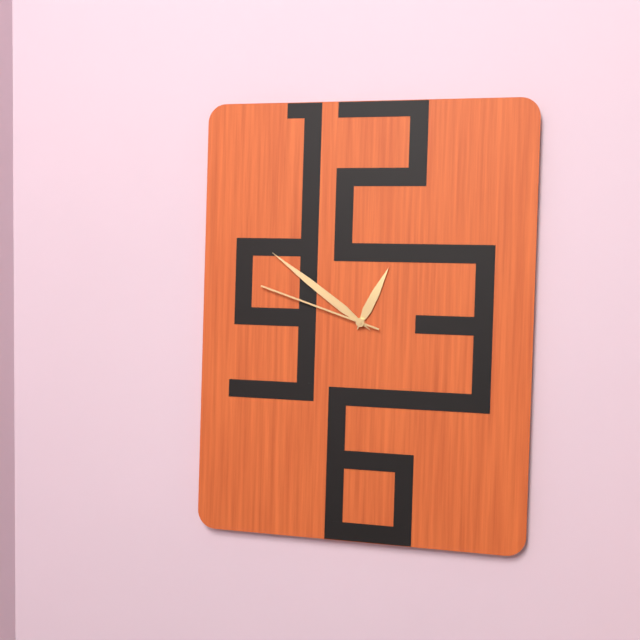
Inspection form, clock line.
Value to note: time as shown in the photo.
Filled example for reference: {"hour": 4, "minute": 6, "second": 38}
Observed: {"hour": 12, "minute": 51, "second": 48}
